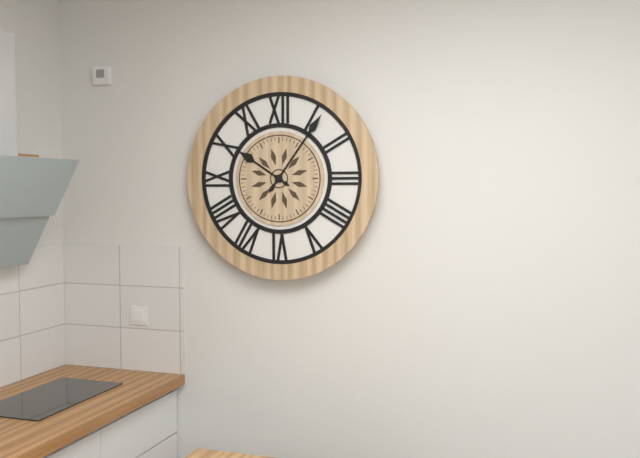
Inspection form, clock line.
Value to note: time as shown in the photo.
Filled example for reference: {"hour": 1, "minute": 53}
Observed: {"hour": 10, "minute": 6}
